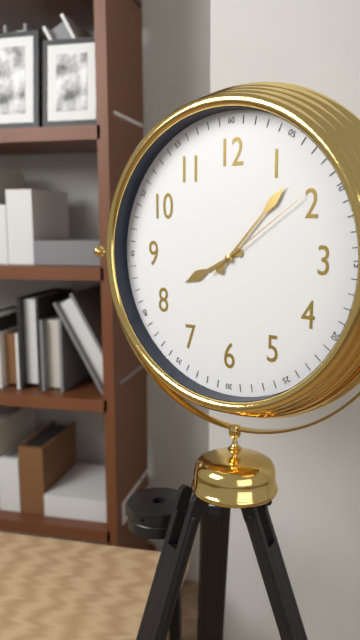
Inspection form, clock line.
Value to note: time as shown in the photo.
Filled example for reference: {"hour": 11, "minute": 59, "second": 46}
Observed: {"hour": 8, "minute": 7, "second": 9}
